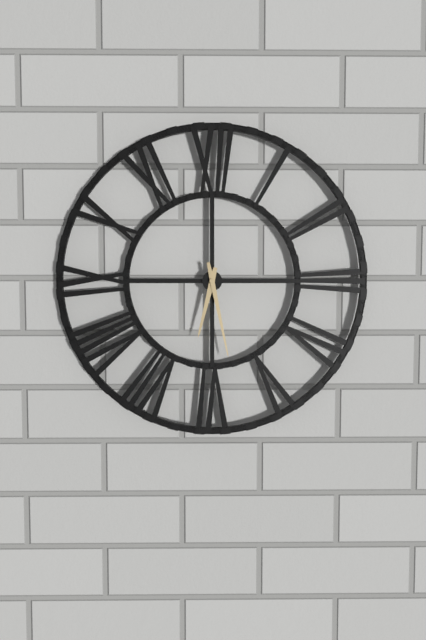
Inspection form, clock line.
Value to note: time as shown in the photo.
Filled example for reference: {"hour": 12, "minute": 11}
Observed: {"hour": 6, "minute": 28}
